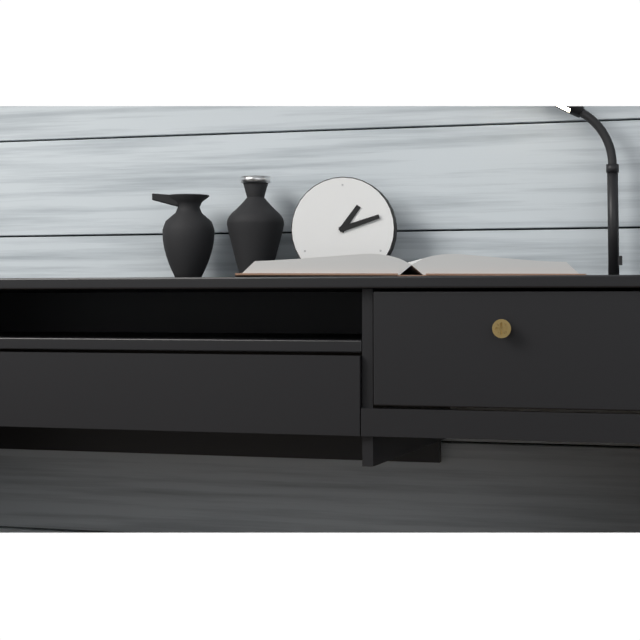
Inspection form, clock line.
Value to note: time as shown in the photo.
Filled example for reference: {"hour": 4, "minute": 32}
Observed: {"hour": 1, "minute": 12}
